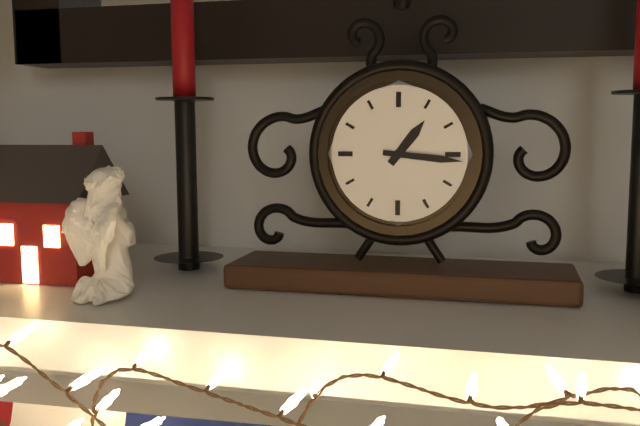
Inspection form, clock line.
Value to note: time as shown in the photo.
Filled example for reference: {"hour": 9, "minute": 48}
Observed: {"hour": 1, "minute": 16}
